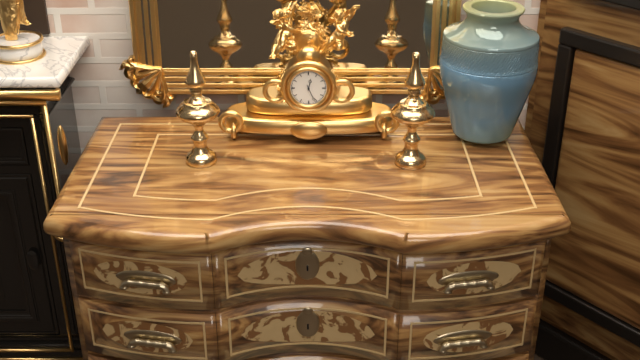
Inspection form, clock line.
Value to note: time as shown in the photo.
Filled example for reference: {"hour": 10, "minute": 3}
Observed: {"hour": 12, "minute": 26}
